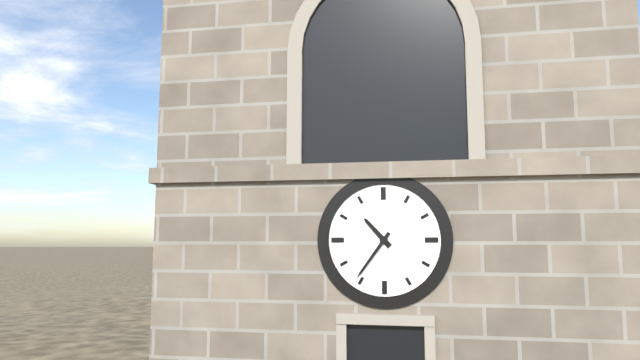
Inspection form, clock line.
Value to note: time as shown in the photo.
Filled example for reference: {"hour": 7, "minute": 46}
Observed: {"hour": 10, "minute": 36}
